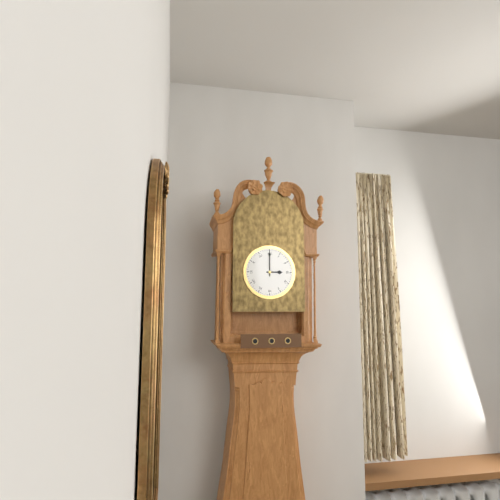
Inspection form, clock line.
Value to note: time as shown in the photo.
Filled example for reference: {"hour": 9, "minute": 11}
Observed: {"hour": 3, "minute": 0}
